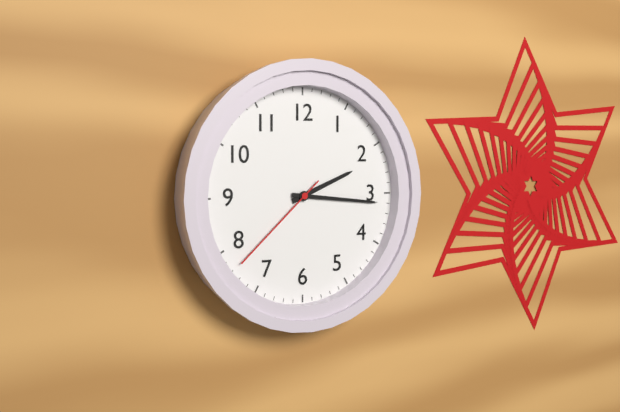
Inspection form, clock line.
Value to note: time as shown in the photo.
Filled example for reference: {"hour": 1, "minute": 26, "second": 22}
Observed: {"hour": 2, "minute": 16, "second": 38}
